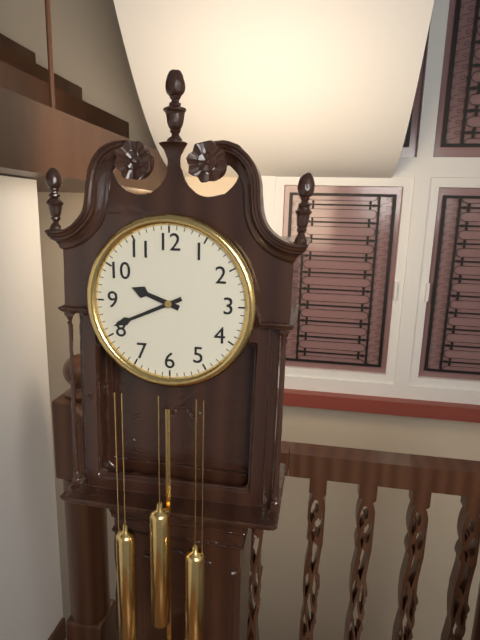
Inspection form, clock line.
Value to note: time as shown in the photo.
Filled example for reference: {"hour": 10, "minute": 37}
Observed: {"hour": 9, "minute": 41}
